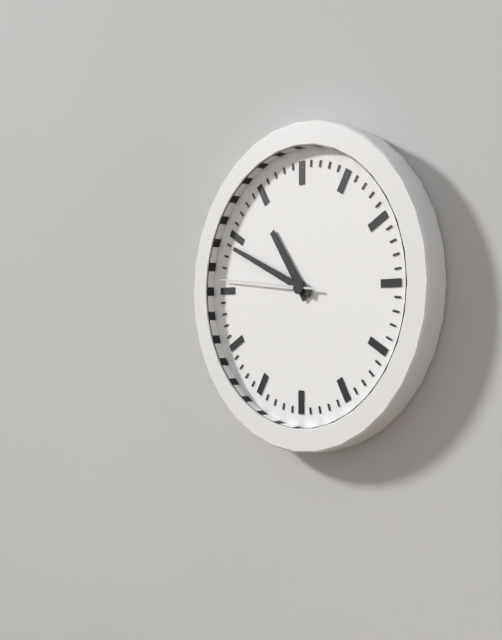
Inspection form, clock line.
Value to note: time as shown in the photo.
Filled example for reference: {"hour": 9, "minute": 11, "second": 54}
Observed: {"hour": 10, "minute": 49, "second": 46}
